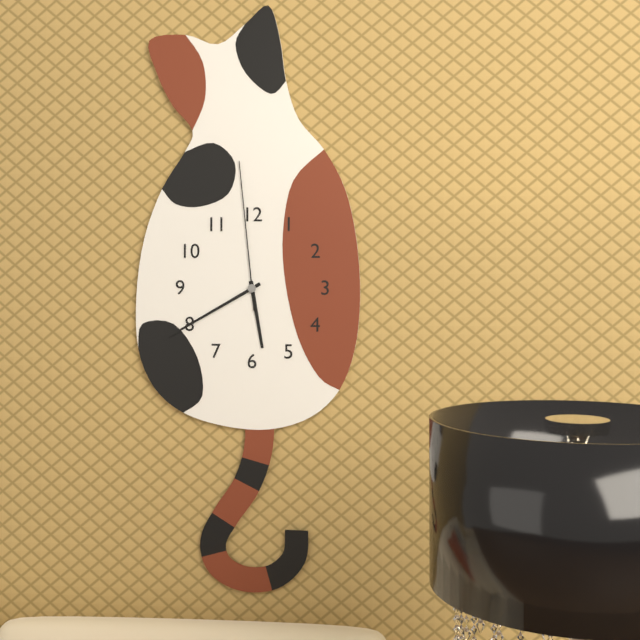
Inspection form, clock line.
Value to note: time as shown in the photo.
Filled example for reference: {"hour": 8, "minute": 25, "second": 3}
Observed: {"hour": 5, "minute": 40, "second": 59}
